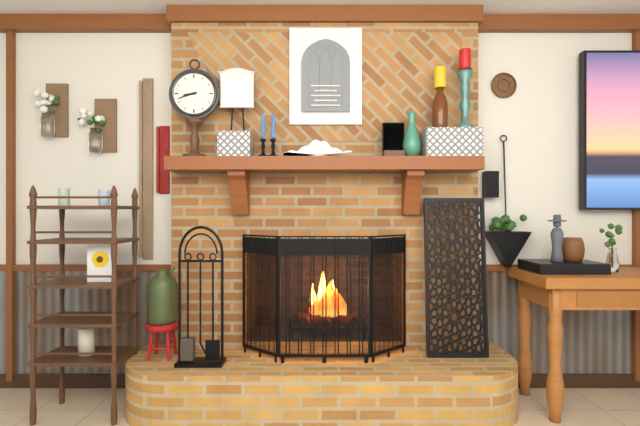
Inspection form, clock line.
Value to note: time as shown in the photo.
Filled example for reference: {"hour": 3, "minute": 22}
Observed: {"hour": 8, "minute": 42}
